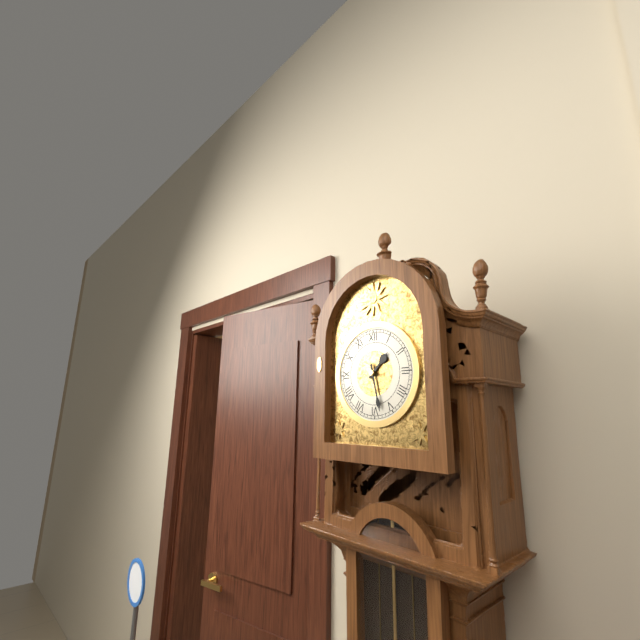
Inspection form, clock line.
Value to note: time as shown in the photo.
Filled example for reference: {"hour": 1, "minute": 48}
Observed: {"hour": 1, "minute": 28}
